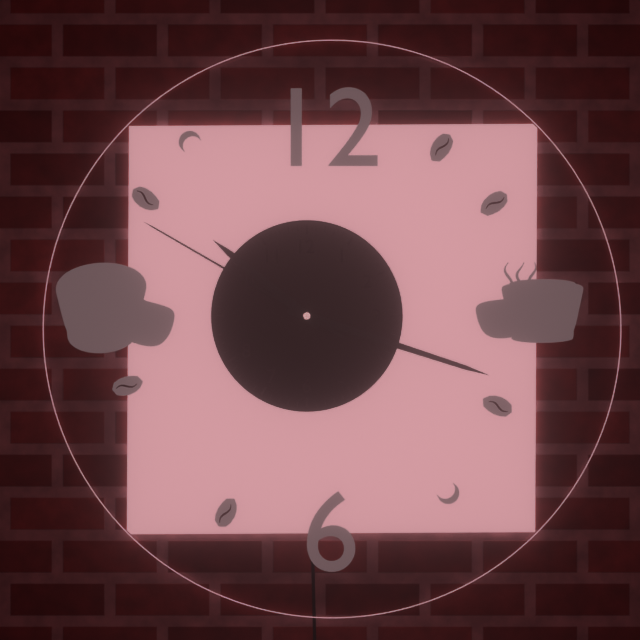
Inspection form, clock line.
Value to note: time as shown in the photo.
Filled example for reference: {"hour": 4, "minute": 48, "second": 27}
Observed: {"hour": 10, "minute": 18, "second": 50}
